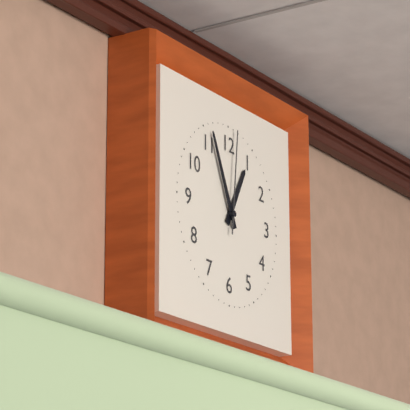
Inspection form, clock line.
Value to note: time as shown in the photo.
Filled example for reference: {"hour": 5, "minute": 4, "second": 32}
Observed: {"hour": 12, "minute": 56, "second": 1}
